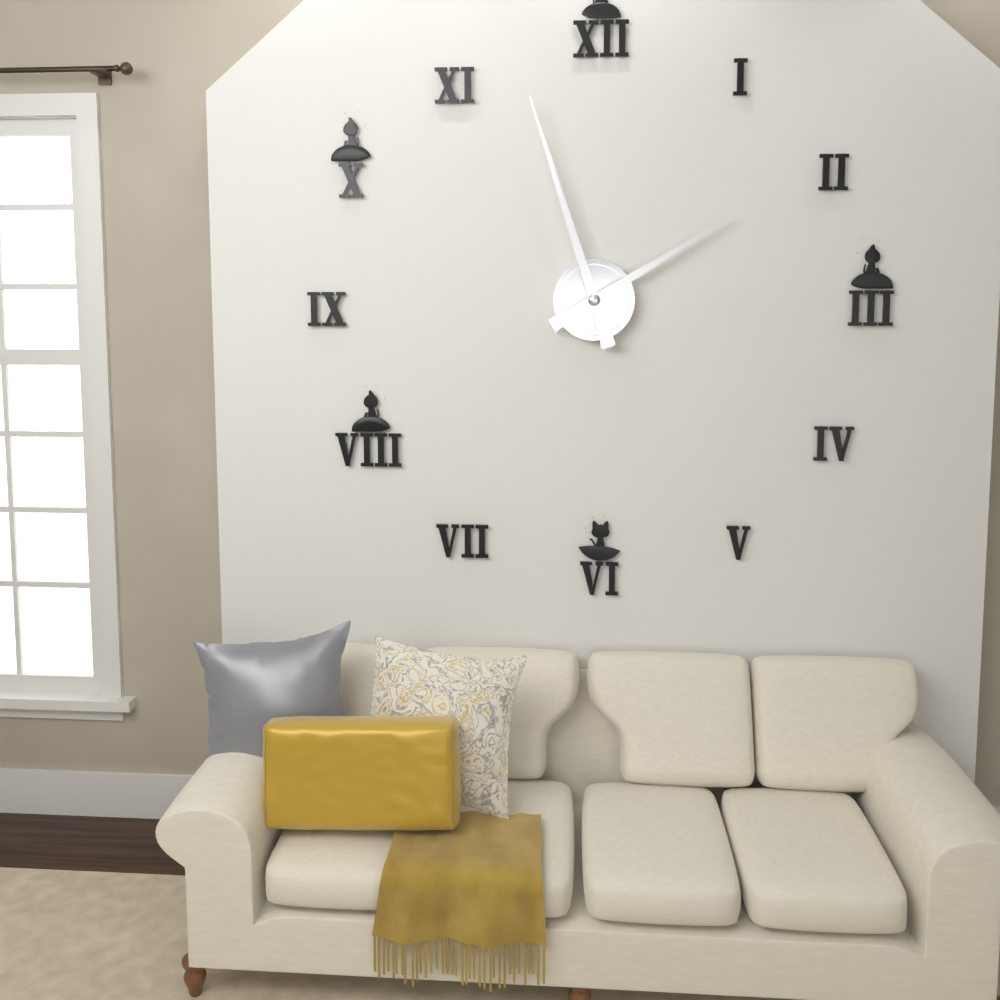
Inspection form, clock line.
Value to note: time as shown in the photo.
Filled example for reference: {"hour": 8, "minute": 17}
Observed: {"hour": 1, "minute": 57}
